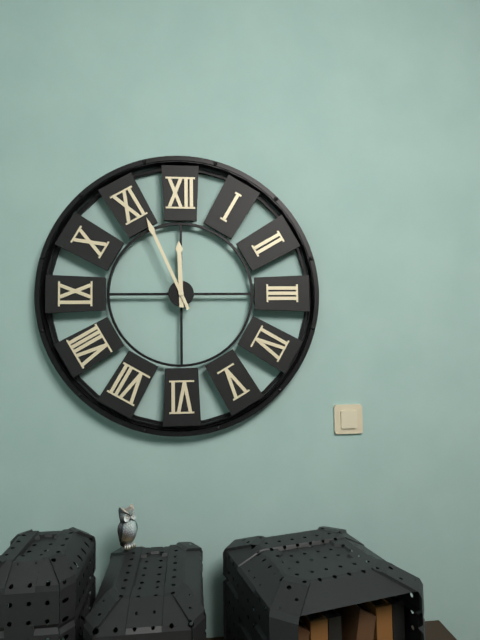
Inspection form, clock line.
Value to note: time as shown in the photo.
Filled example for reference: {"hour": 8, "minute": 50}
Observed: {"hour": 11, "minute": 56}
